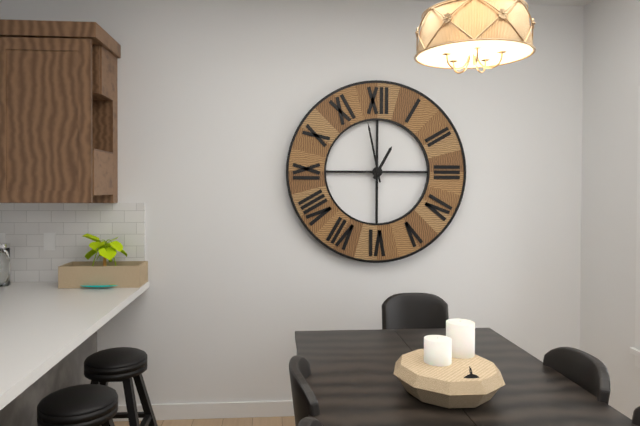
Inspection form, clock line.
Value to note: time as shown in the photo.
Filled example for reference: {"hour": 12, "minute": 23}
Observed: {"hour": 12, "minute": 58}
